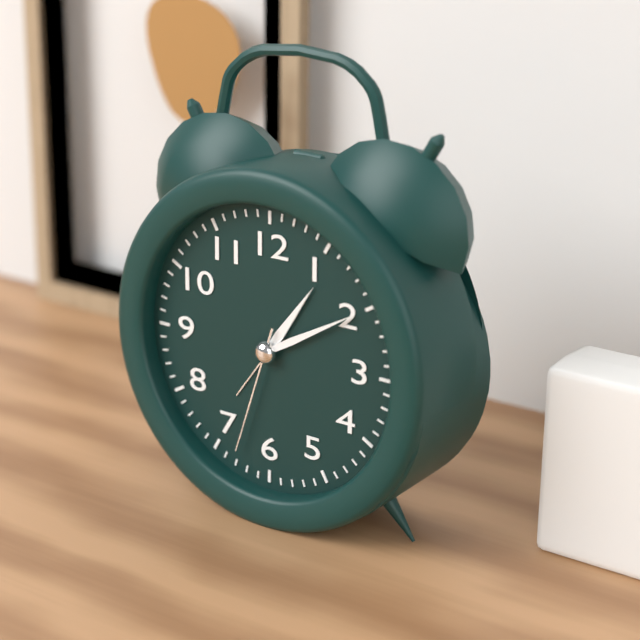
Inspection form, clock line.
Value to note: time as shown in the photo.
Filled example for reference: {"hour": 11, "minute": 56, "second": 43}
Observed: {"hour": 1, "minute": 10, "second": 33}
